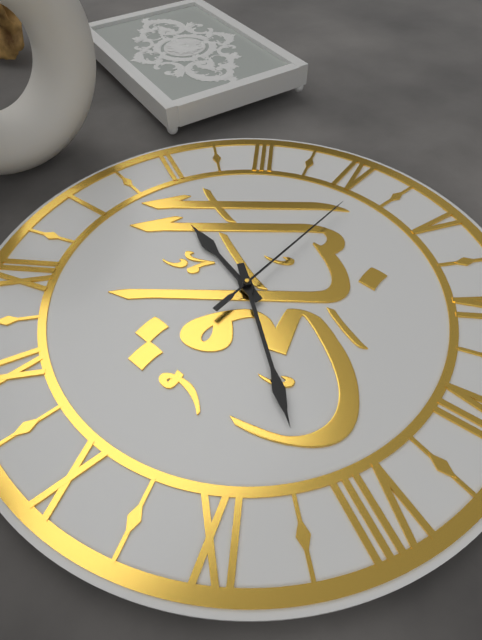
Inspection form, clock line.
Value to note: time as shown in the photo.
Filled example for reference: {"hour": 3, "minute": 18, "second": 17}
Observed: {"hour": 1, "minute": 42, "second": 21}
